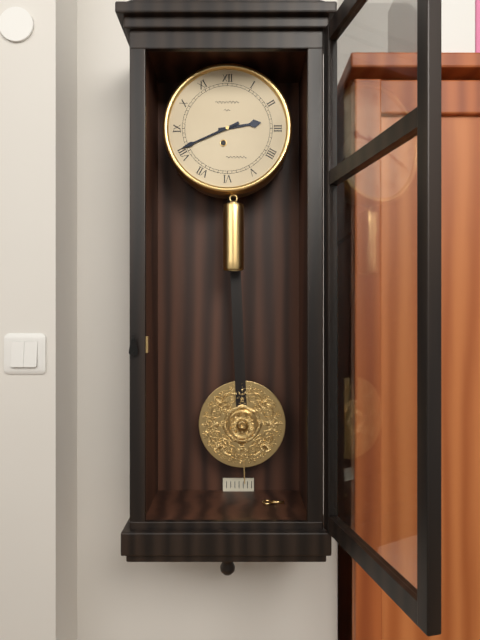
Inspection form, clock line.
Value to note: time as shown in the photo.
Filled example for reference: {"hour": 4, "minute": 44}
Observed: {"hour": 2, "minute": 41}
